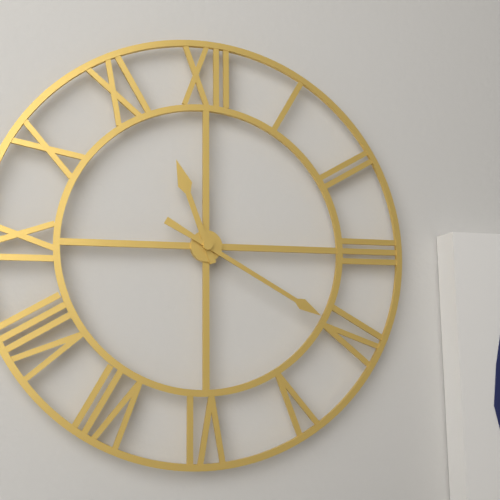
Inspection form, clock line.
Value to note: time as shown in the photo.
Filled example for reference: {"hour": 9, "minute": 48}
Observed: {"hour": 11, "minute": 20}
